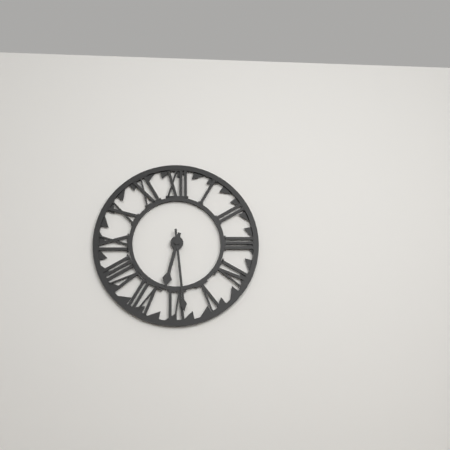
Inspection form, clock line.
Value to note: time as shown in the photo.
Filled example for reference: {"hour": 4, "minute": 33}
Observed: {"hour": 6, "minute": 29}
